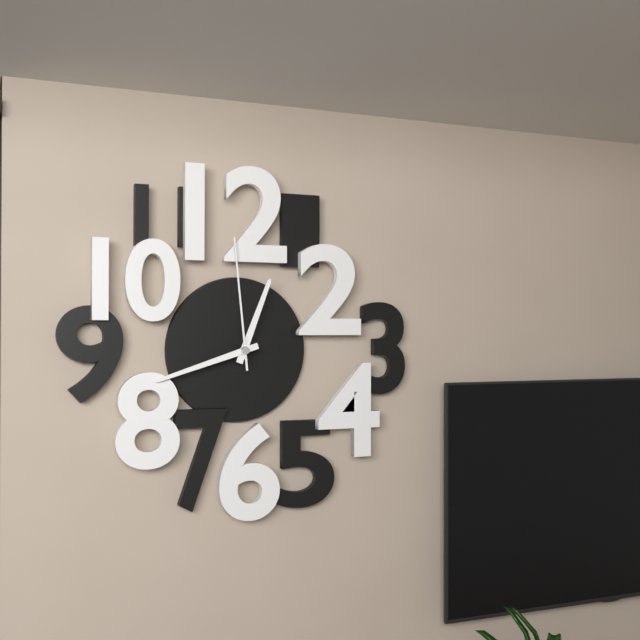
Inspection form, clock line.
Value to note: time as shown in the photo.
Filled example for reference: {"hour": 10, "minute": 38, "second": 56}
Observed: {"hour": 12, "minute": 42, "second": 59}
